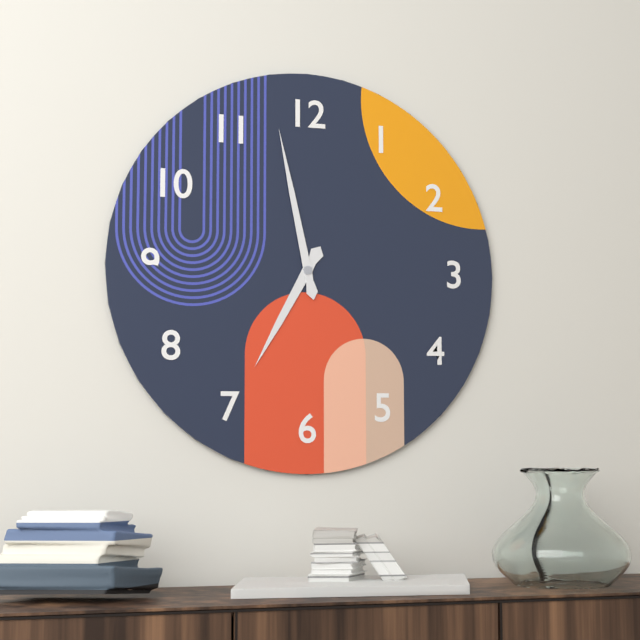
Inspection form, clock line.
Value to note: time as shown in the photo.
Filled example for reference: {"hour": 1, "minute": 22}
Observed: {"hour": 6, "minute": 58}
